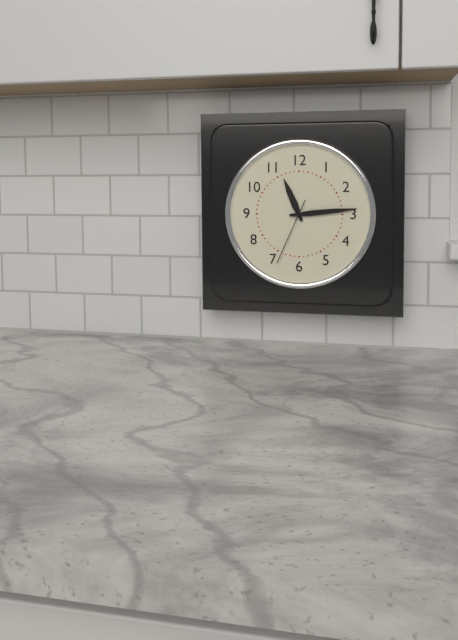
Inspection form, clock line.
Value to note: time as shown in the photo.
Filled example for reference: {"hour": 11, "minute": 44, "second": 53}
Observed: {"hour": 11, "minute": 14, "second": 34}
